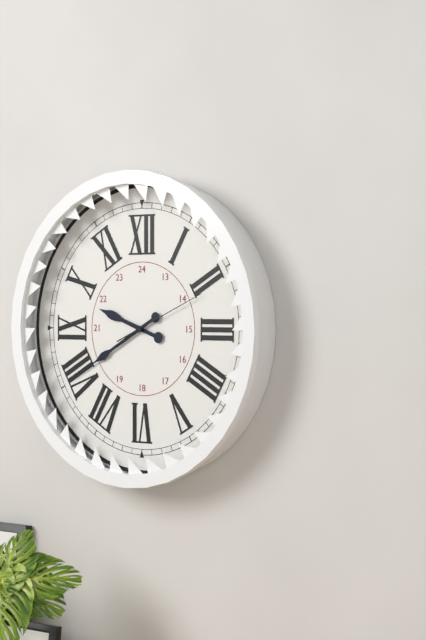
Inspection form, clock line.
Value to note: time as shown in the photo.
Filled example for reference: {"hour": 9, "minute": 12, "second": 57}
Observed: {"hour": 9, "minute": 40, "second": 11}
